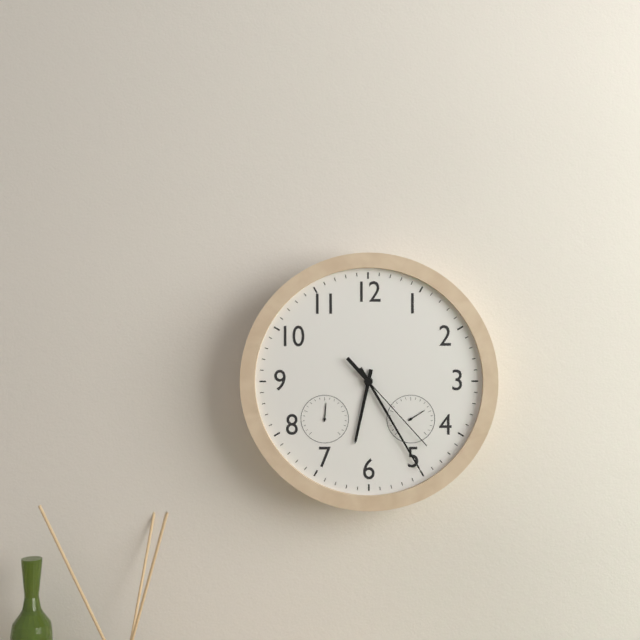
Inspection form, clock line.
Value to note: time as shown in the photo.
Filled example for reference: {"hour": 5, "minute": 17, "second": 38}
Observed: {"hour": 6, "minute": 25, "second": 23}
